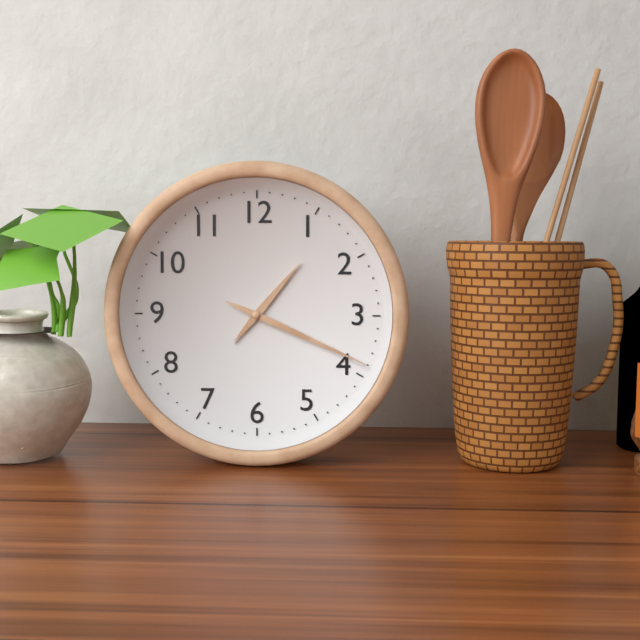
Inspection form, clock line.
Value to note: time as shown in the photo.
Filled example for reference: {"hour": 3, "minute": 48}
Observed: {"hour": 1, "minute": 19}
